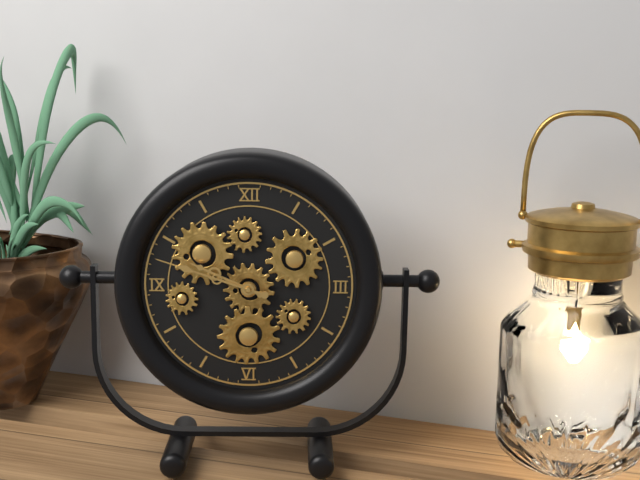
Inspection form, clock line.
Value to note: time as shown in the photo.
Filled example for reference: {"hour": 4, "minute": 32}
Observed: {"hour": 9, "minute": 48}
